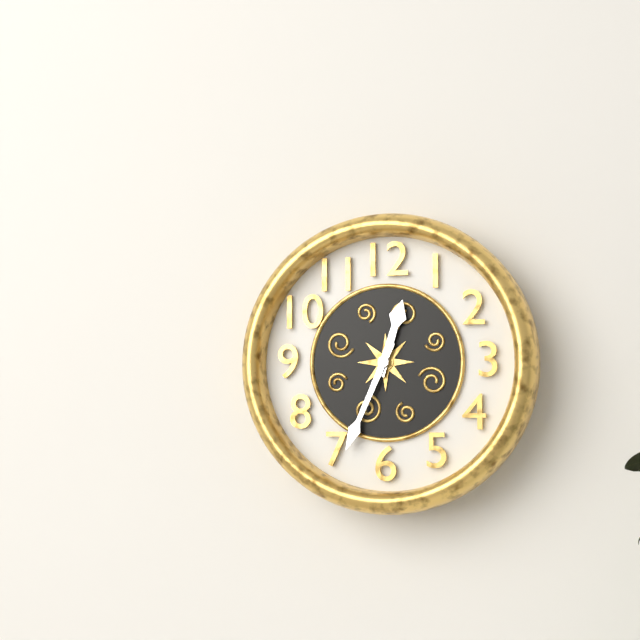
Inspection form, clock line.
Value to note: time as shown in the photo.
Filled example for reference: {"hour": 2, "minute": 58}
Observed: {"hour": 12, "minute": 34}
